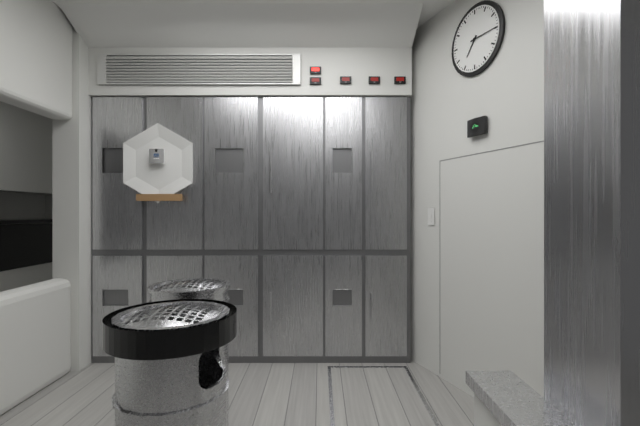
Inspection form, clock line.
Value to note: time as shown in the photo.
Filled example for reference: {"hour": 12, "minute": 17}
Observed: {"hour": 7, "minute": 15}
